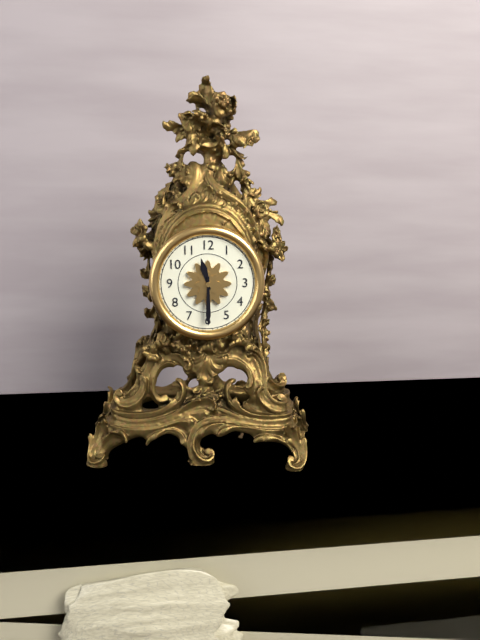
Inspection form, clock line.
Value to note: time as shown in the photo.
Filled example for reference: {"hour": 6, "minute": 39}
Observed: {"hour": 11, "minute": 30}
